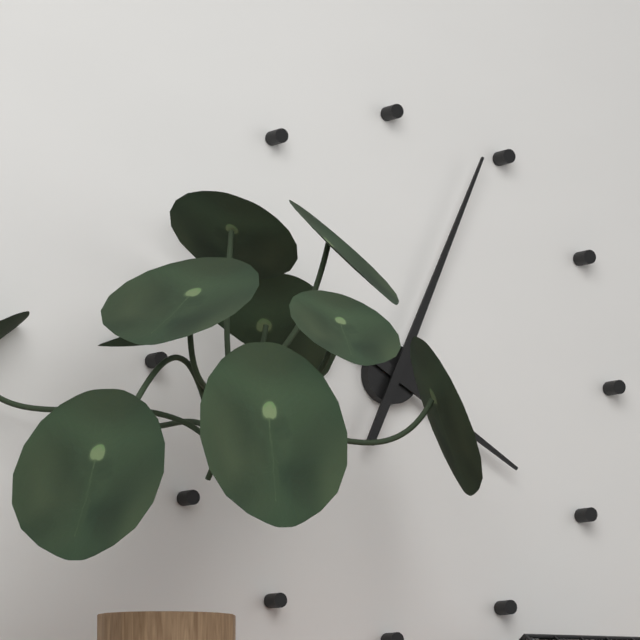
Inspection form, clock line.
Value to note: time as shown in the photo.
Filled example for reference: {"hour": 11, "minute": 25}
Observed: {"hour": 4, "minute": 4}
